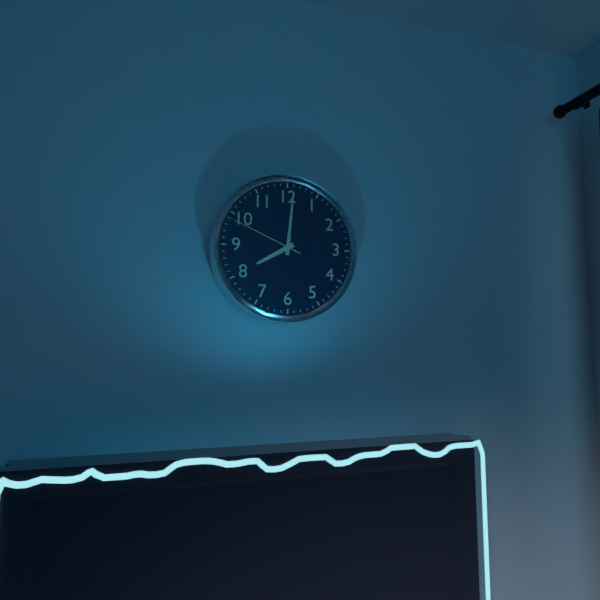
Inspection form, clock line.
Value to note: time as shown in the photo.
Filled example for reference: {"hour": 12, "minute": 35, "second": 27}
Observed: {"hour": 8, "minute": 1, "second": 49}
